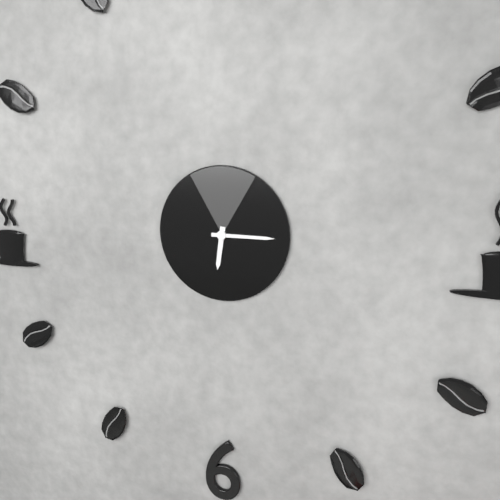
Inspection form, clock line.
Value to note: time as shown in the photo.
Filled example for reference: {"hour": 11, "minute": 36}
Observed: {"hour": 6, "minute": 15}
